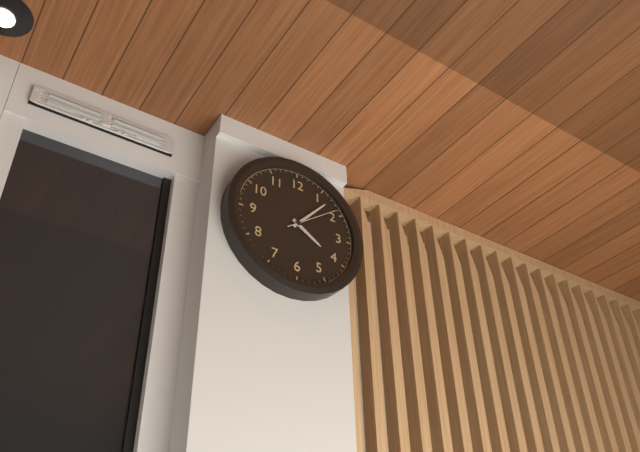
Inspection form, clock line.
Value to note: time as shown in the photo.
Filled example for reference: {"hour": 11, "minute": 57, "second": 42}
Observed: {"hour": 4, "minute": 7, "second": 9}
